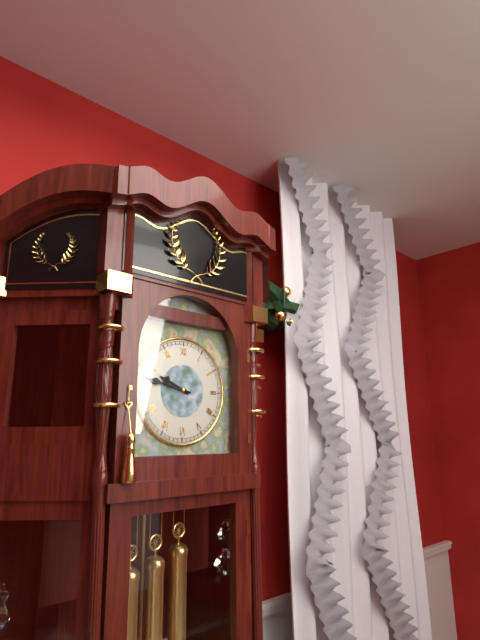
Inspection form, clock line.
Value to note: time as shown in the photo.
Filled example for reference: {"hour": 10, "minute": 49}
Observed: {"hour": 9, "minute": 47}
